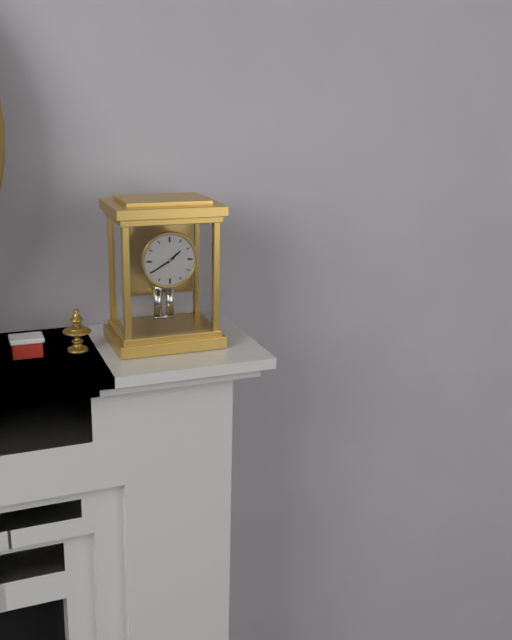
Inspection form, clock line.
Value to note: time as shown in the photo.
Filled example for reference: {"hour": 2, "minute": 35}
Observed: {"hour": 1, "minute": 40}
